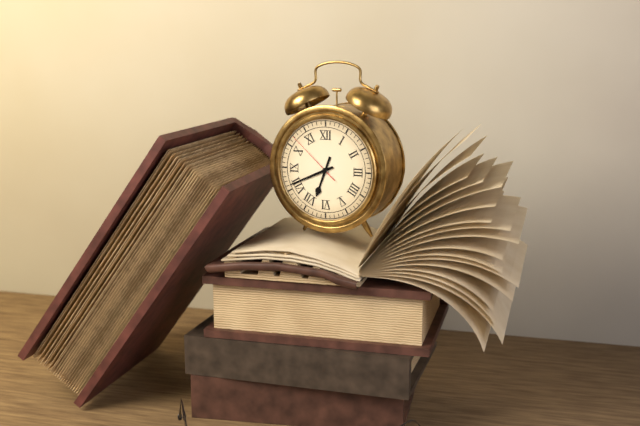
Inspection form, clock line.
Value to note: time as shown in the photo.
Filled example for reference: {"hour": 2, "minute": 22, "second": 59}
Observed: {"hour": 6, "minute": 41, "second": 52}
